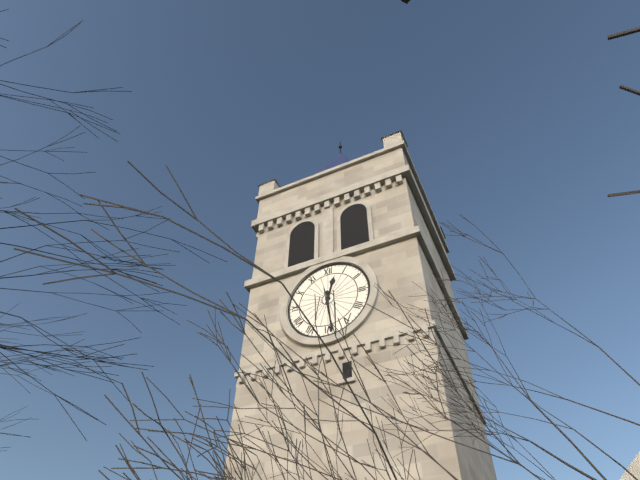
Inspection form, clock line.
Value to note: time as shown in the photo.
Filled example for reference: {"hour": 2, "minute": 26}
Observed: {"hour": 12, "minute": 29}
